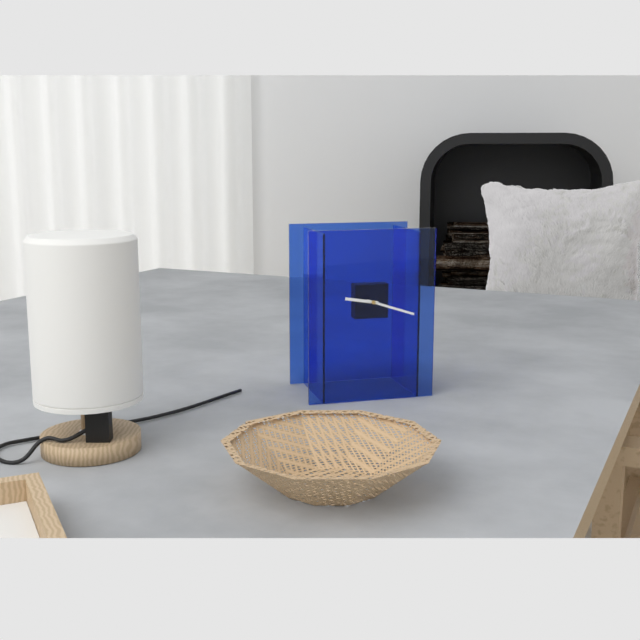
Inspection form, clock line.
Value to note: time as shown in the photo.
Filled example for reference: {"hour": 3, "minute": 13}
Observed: {"hour": 9, "minute": 18}
